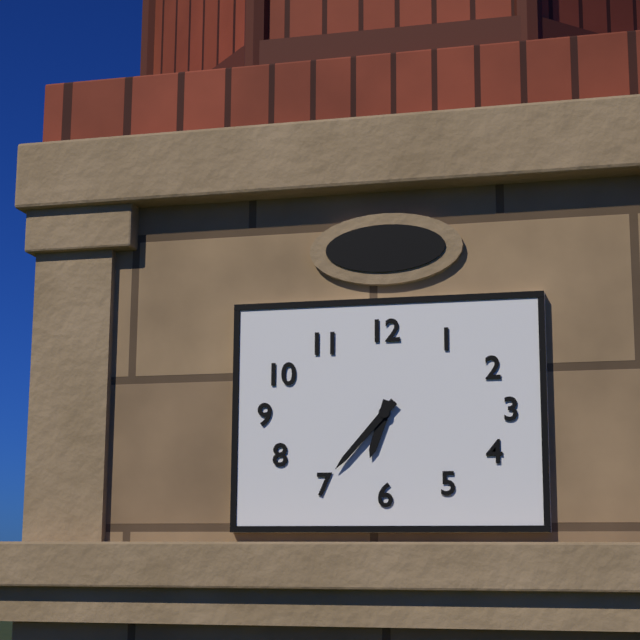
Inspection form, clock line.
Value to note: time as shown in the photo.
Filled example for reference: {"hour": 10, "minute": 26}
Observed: {"hour": 6, "minute": 37}
